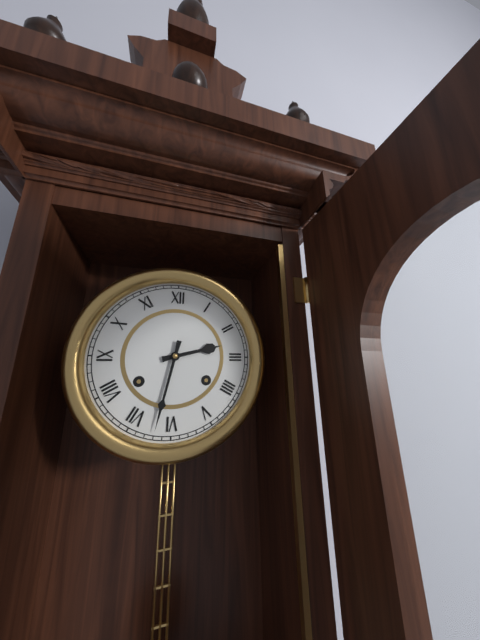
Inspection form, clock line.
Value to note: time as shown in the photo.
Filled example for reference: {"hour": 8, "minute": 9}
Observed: {"hour": 2, "minute": 32}
